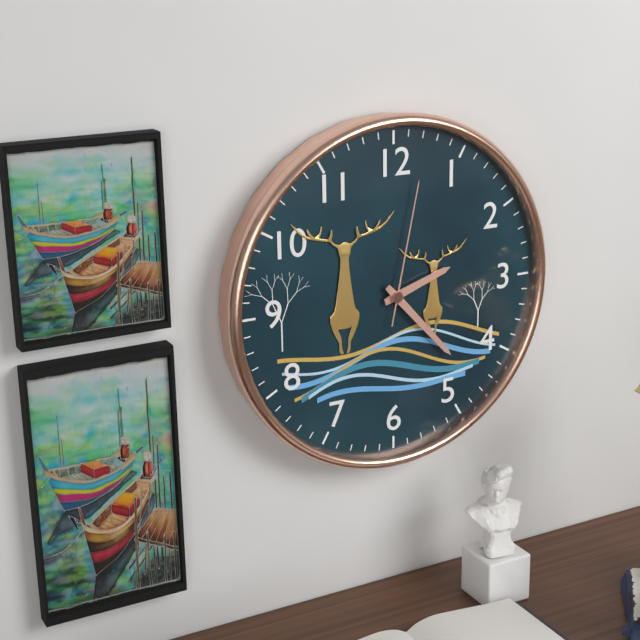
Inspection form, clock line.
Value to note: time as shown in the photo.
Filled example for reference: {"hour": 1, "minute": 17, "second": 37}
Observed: {"hour": 2, "minute": 23, "second": 2}
